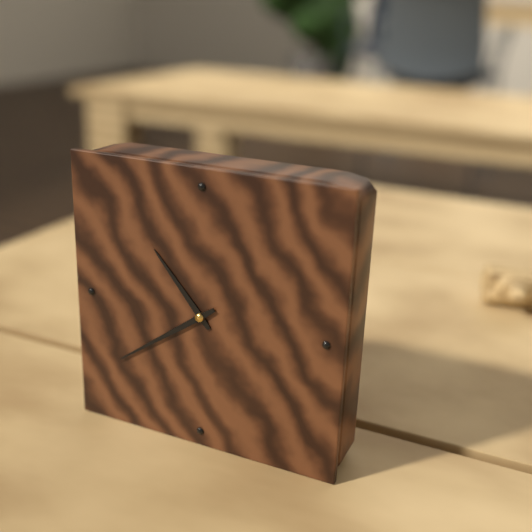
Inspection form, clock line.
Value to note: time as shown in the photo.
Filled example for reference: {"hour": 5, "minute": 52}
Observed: {"hour": 10, "minute": 39}
